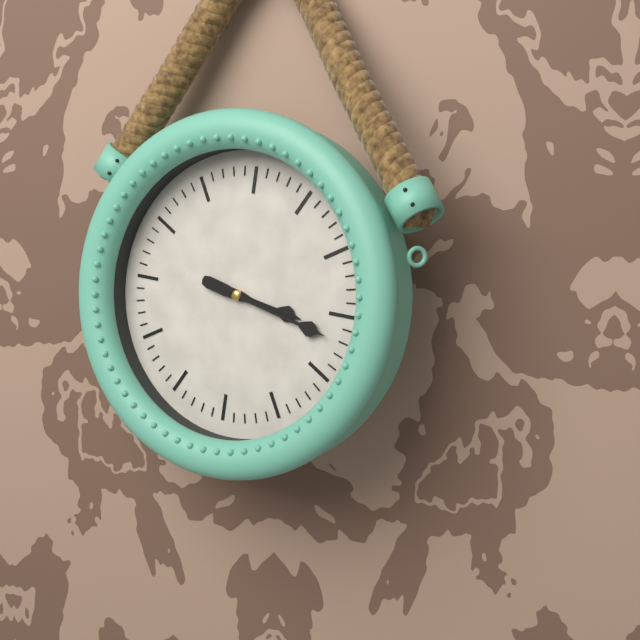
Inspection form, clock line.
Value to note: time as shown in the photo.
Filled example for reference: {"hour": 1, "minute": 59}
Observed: {"hour": 3, "minute": 17}
